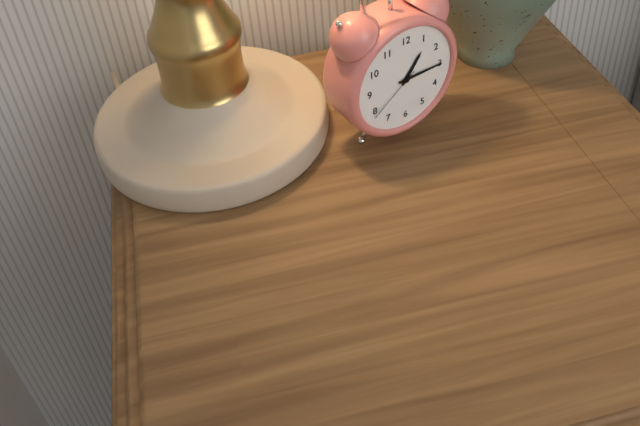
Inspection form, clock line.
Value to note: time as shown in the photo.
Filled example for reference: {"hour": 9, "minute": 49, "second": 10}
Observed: {"hour": 1, "minute": 15, "second": 39}
